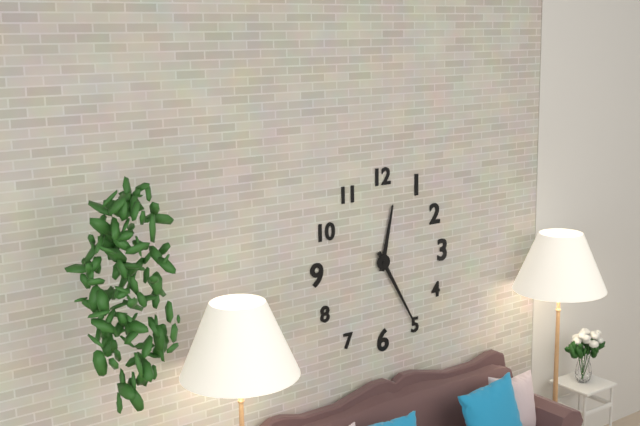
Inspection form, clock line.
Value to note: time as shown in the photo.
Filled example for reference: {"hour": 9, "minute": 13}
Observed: {"hour": 12, "minute": 25}
